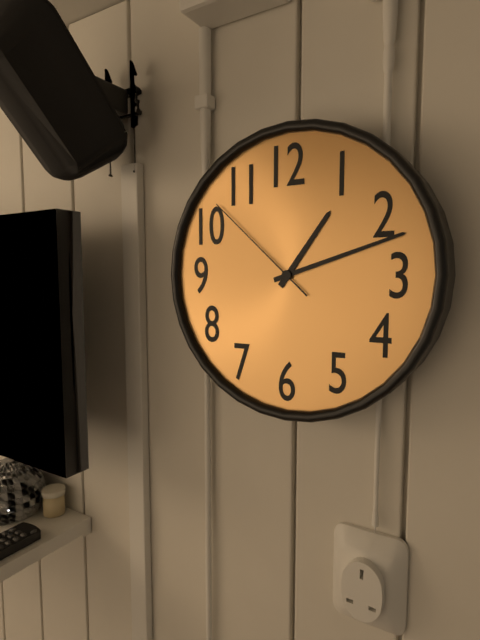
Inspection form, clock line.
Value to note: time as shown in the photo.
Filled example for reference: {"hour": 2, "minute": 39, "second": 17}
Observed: {"hour": 1, "minute": 12, "second": 52}
